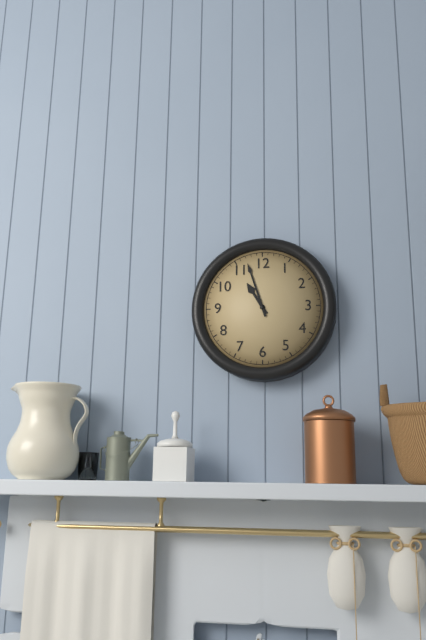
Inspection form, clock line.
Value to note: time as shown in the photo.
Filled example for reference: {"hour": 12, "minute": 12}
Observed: {"hour": 10, "minute": 57}
